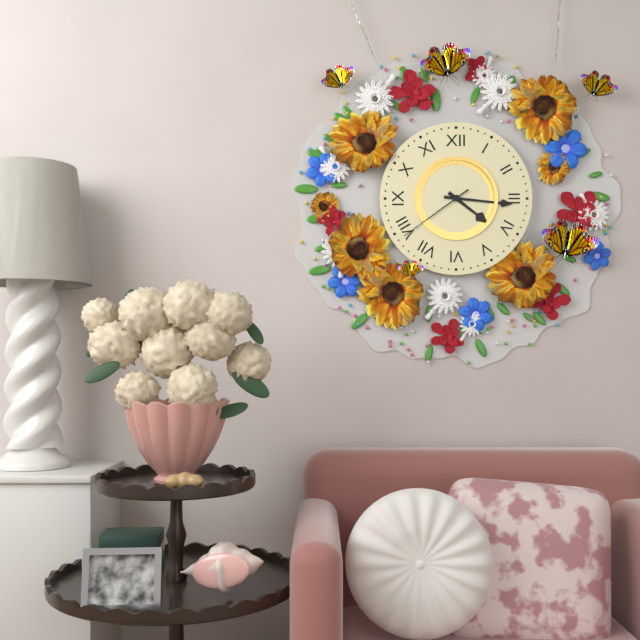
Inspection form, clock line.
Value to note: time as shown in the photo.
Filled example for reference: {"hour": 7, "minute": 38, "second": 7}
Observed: {"hour": 4, "minute": 16, "second": 39}
